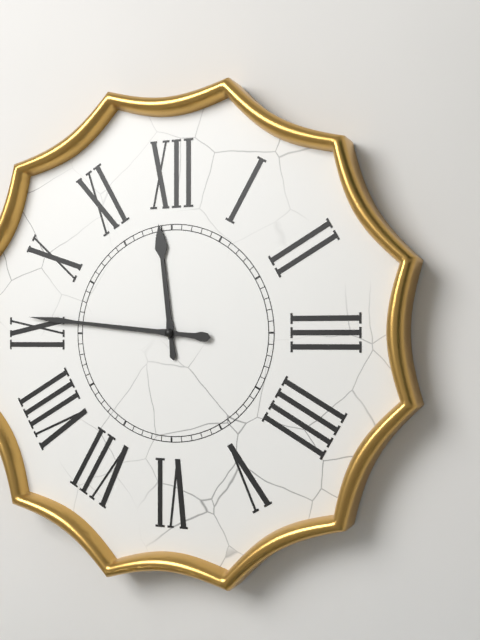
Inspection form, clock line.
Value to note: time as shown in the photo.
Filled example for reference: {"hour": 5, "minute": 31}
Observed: {"hour": 11, "minute": 46}
